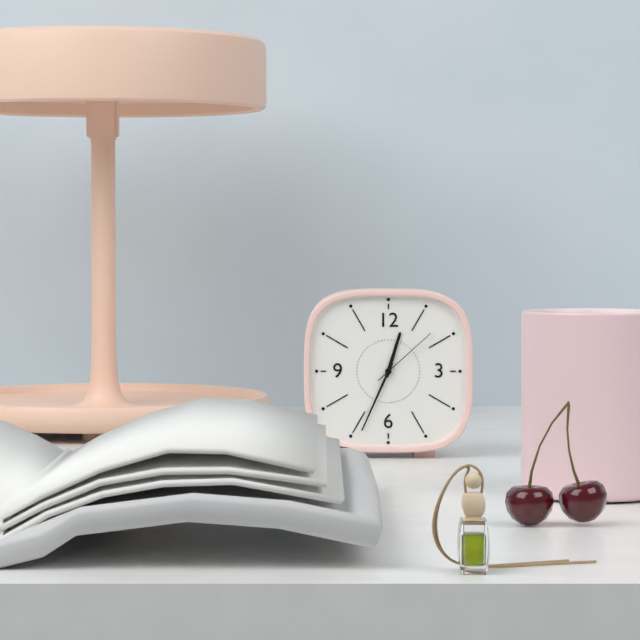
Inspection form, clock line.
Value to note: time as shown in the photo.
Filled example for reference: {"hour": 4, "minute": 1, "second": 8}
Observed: {"hour": 12, "minute": 34, "second": 8}
